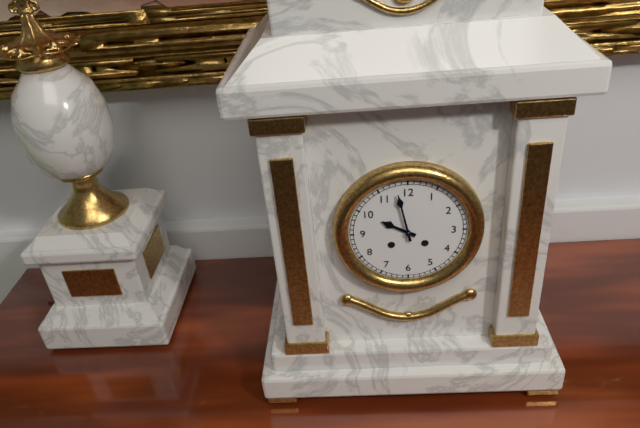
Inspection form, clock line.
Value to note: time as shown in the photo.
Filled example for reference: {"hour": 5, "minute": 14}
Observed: {"hour": 9, "minute": 58}
